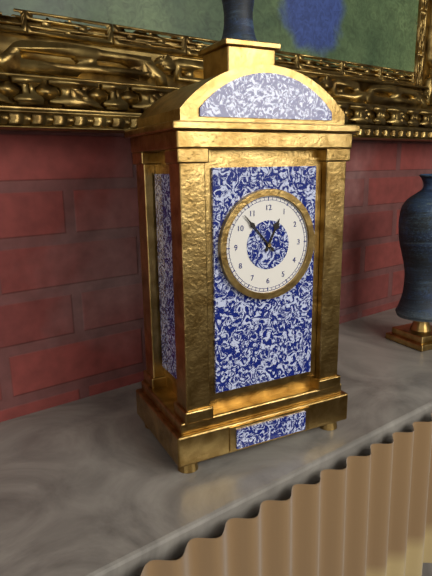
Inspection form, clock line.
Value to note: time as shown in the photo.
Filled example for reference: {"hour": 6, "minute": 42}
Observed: {"hour": 12, "minute": 53}
